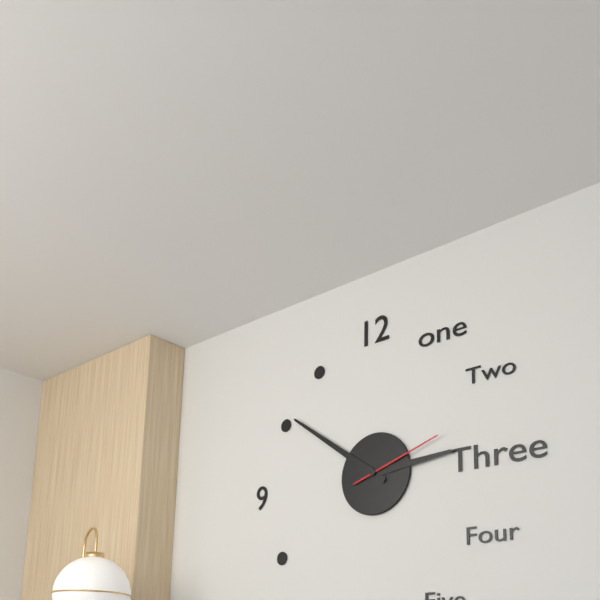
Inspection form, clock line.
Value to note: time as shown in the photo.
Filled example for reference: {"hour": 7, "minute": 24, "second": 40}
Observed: {"hour": 2, "minute": 51, "second": 12}
